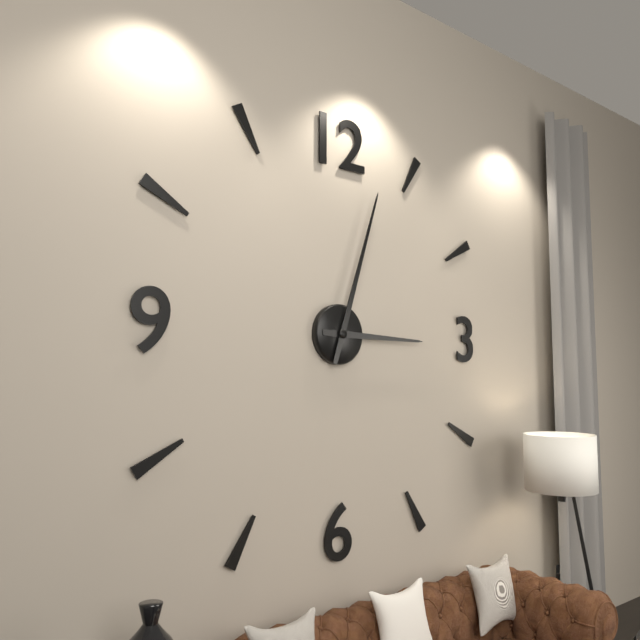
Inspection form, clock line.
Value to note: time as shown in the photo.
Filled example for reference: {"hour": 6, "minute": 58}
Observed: {"hour": 3, "minute": 3}
